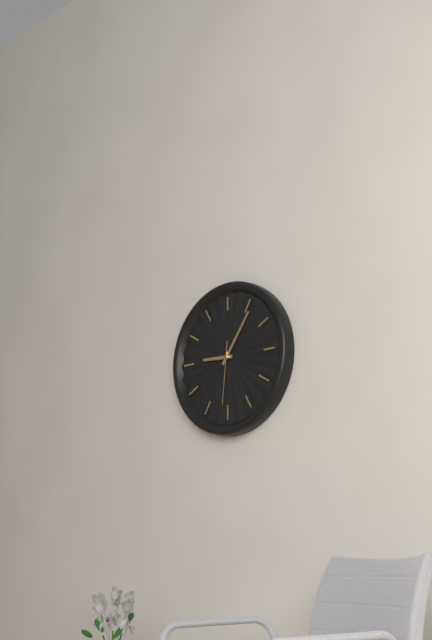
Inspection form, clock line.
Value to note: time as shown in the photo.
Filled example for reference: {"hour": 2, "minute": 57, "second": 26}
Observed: {"hour": 9, "minute": 6, "second": 31}
